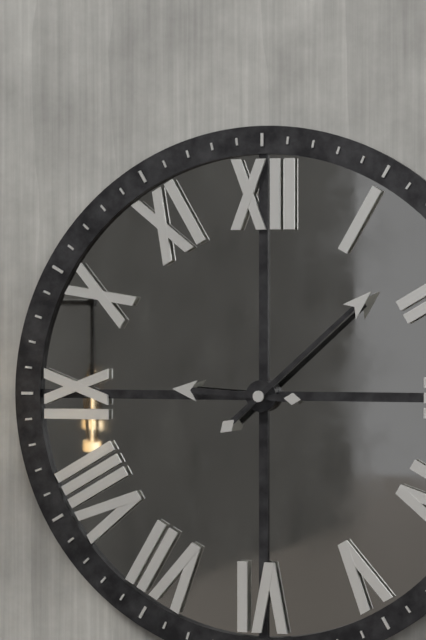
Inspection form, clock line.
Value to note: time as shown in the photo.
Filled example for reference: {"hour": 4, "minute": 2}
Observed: {"hour": 9, "minute": 8}
